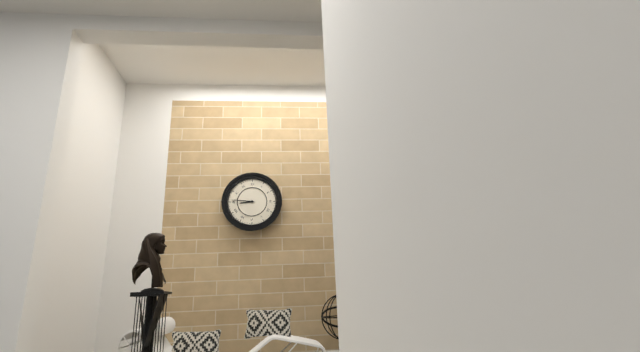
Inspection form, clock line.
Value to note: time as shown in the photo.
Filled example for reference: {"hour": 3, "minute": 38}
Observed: {"hour": 8, "minute": 46}
